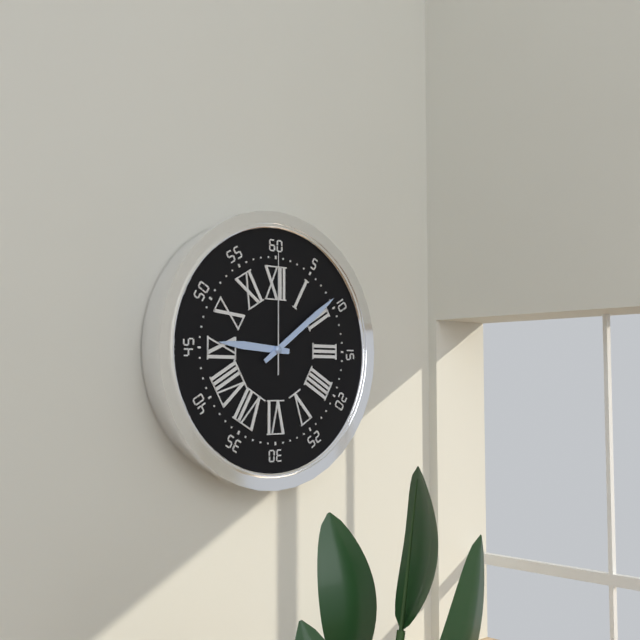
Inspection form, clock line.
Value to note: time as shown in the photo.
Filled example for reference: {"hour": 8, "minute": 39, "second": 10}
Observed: {"hour": 9, "minute": 9, "second": 0}
